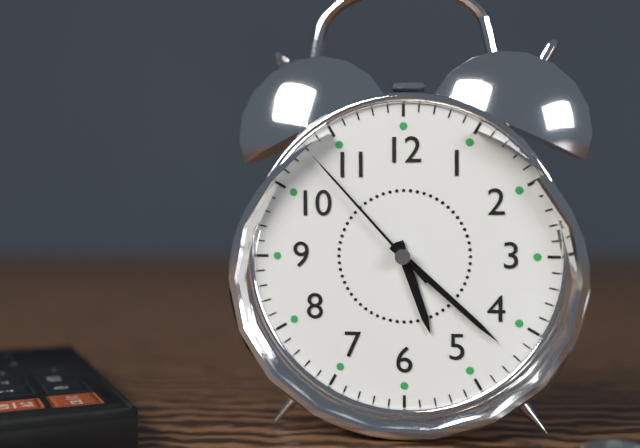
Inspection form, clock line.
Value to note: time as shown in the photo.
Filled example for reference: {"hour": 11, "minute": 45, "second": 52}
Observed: {"hour": 5, "minute": 22, "second": 53}
